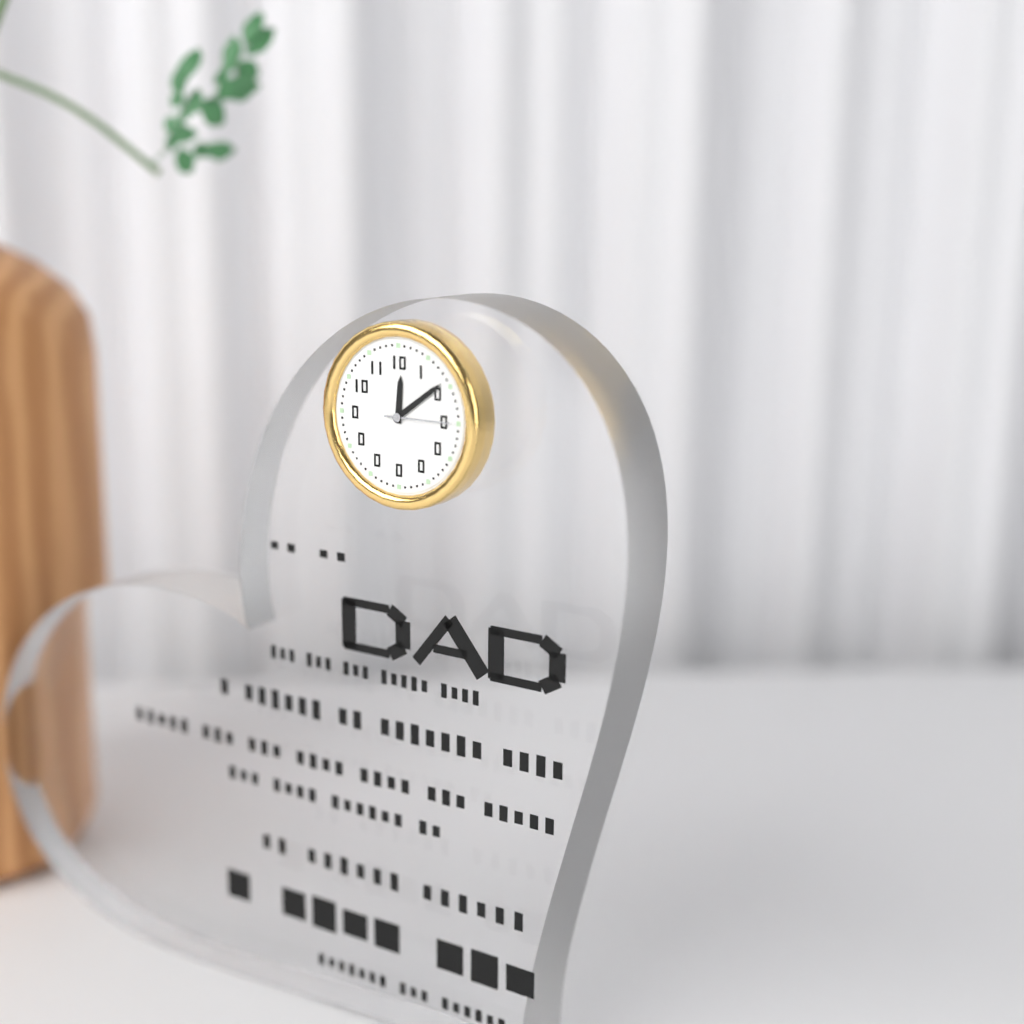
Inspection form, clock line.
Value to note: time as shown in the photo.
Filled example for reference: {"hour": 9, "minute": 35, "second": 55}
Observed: {"hour": 12, "minute": 9, "second": 15}
